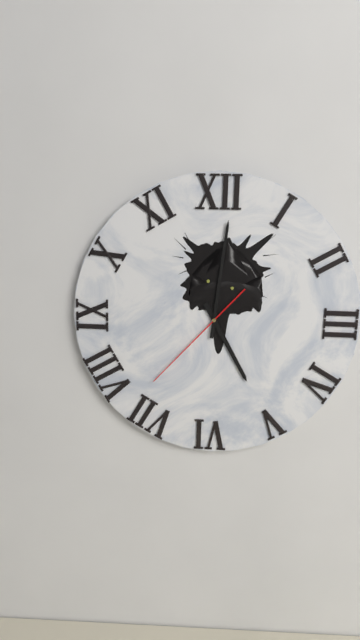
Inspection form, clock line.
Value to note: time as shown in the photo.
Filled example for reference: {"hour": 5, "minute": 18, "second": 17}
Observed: {"hour": 5, "minute": 1, "second": 37}
